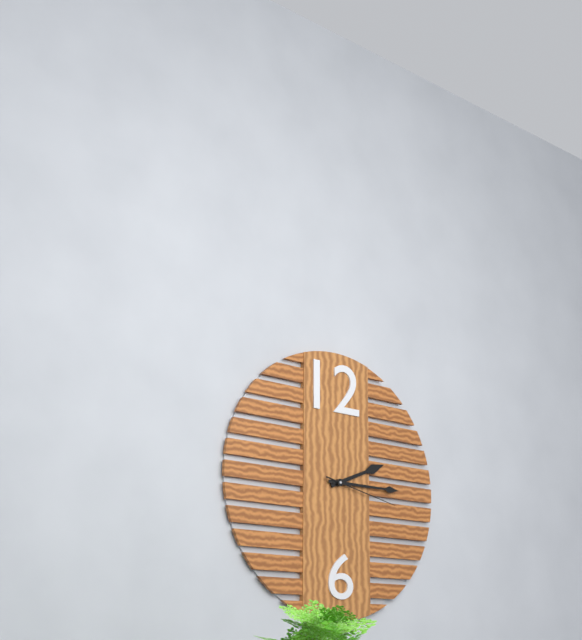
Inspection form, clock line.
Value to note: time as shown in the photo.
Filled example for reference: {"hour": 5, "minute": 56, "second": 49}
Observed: {"hour": 2, "minute": 15, "second": 17}
